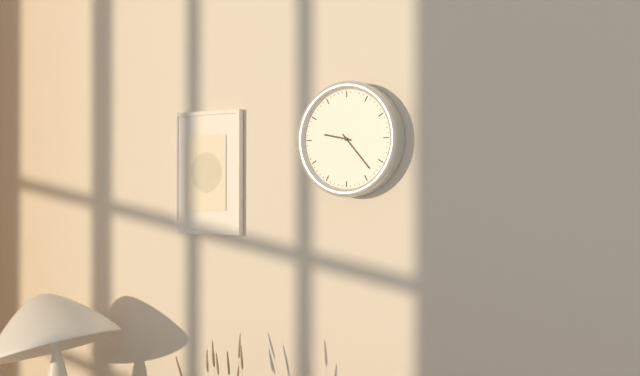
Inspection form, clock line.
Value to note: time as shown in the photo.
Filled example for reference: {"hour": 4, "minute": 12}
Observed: {"hour": 9, "minute": 23}
